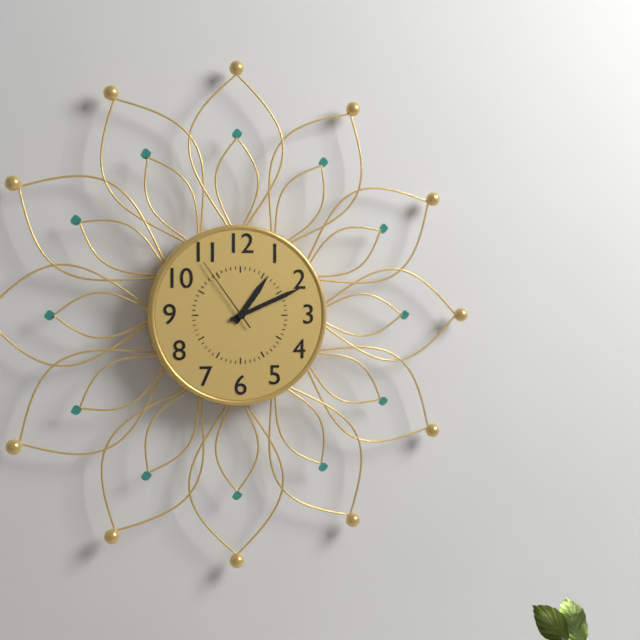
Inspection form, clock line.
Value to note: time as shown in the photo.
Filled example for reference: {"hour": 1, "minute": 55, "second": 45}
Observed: {"hour": 1, "minute": 11, "second": 54}
